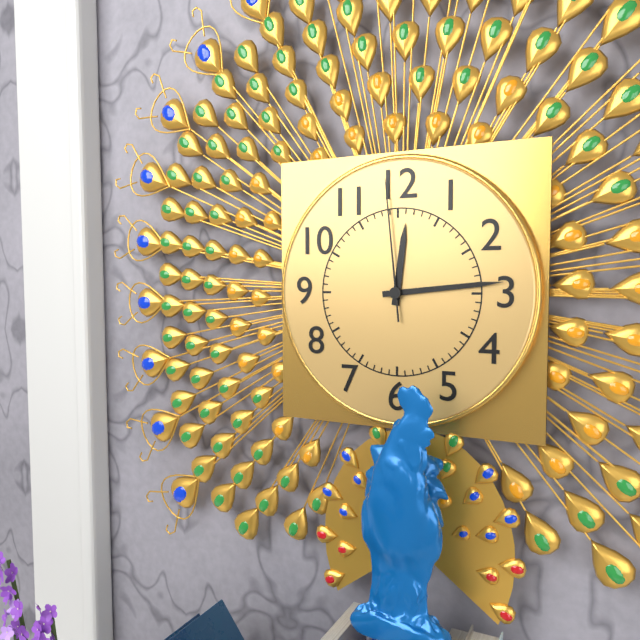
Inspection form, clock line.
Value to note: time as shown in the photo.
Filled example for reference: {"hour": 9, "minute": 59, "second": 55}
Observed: {"hour": 12, "minute": 14, "second": 59}
